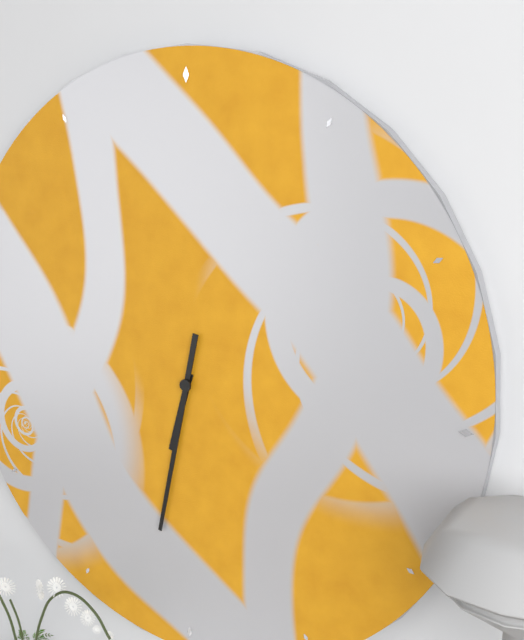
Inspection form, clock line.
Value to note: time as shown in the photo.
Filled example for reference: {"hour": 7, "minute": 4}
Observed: {"hour": 6, "minute": 32}
